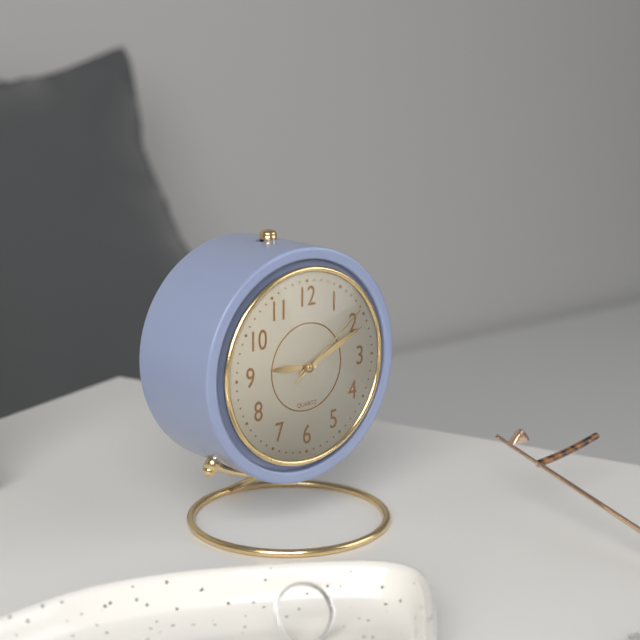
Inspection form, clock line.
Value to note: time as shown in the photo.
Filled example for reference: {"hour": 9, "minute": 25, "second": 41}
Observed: {"hour": 9, "minute": 11, "second": 9}
